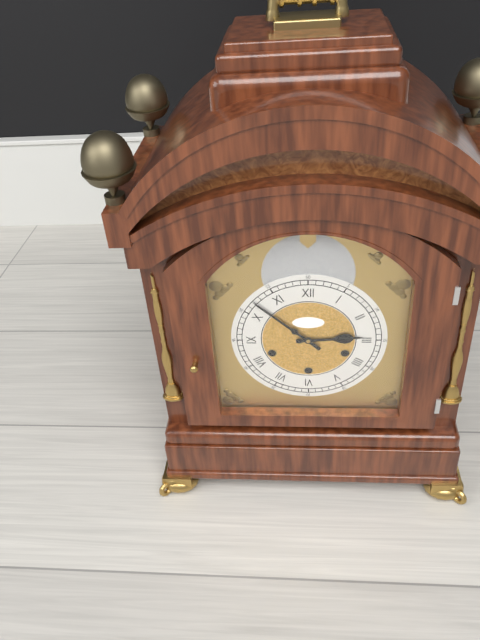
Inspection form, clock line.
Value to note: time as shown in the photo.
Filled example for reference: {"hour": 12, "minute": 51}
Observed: {"hour": 2, "minute": 52}
